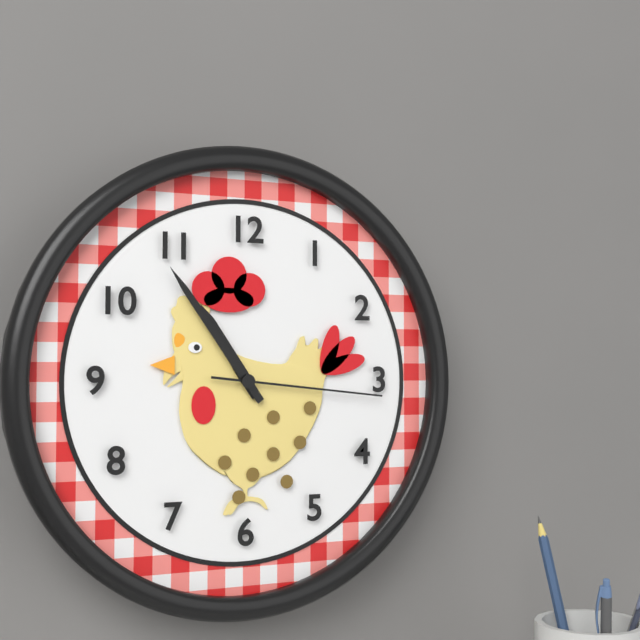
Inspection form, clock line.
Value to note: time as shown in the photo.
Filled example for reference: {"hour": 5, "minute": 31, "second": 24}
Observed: {"hour": 10, "minute": 54, "second": 16}
